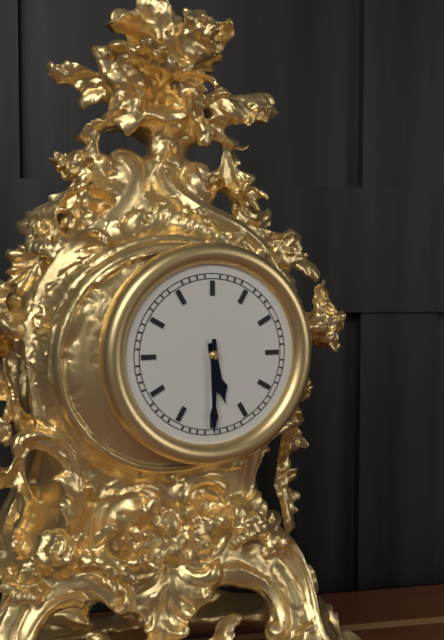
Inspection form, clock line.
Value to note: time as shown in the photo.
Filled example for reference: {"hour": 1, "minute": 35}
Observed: {"hour": 5, "minute": 30}
